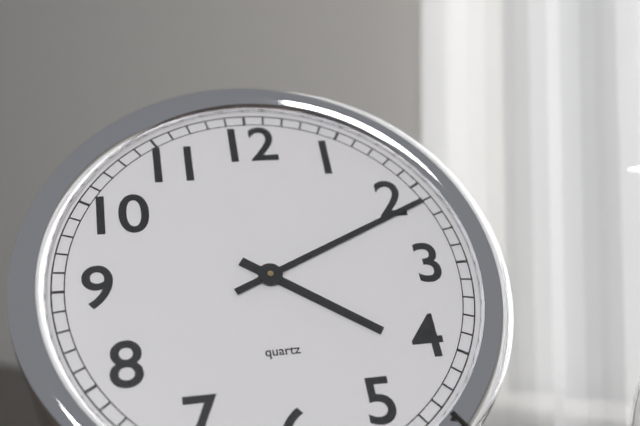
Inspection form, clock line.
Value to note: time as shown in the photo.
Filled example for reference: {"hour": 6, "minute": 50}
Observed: {"hour": 4, "minute": 11}
